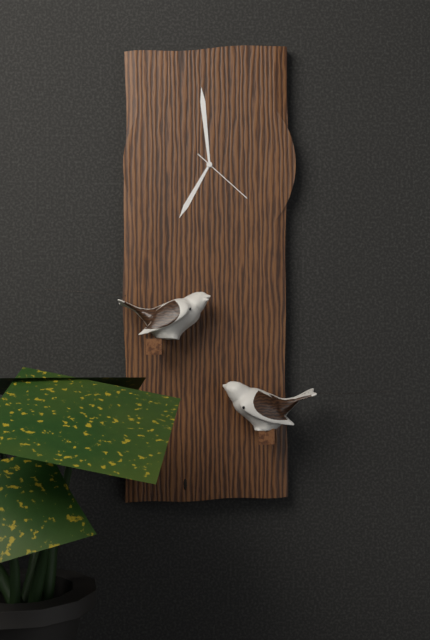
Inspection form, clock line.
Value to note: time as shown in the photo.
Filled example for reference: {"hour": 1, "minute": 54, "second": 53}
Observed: {"hour": 6, "minute": 59, "second": 22}
